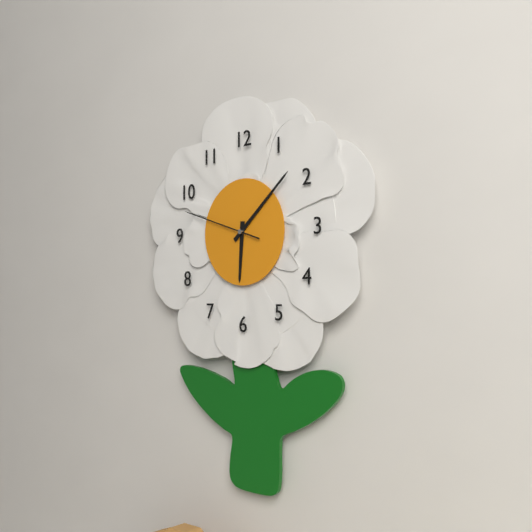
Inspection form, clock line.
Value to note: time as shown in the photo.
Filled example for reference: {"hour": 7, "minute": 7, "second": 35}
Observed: {"hour": 6, "minute": 8, "second": 48}
